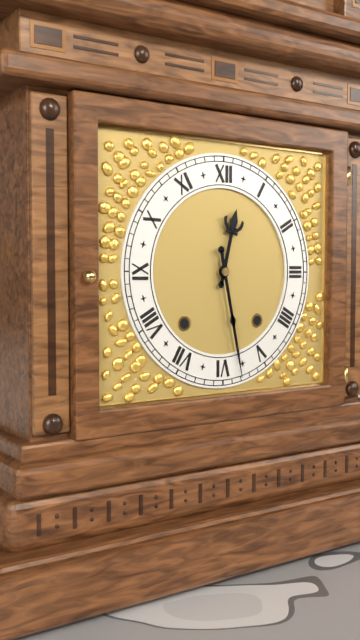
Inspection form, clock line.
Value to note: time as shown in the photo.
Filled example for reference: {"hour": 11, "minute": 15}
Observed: {"hour": 12, "minute": 28}
